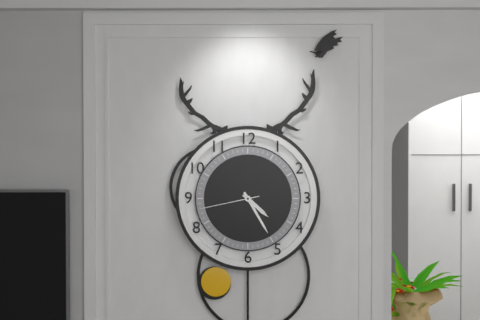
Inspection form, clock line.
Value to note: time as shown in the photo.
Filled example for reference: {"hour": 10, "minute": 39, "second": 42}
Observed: {"hour": 4, "minute": 25, "second": 43}
